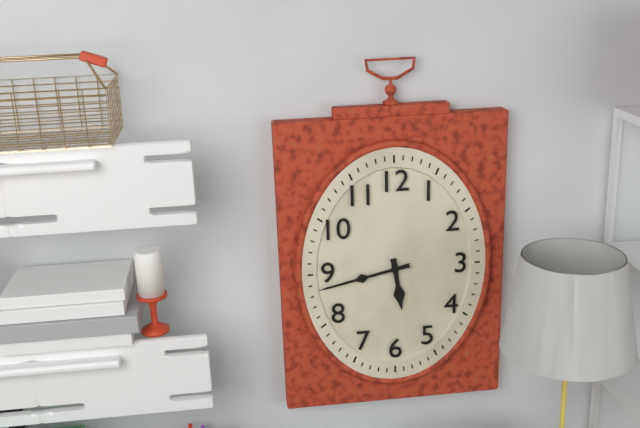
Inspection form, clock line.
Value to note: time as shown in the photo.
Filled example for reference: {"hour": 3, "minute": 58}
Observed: {"hour": 5, "minute": 43}
